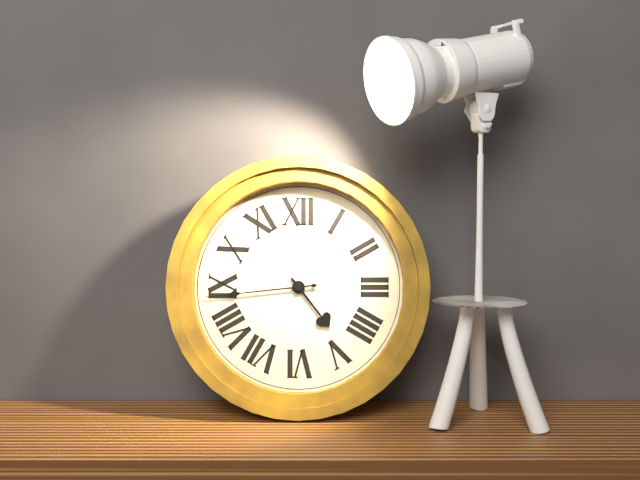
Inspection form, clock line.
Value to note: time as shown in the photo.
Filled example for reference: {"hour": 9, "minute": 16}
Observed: {"hour": 4, "minute": 44}
